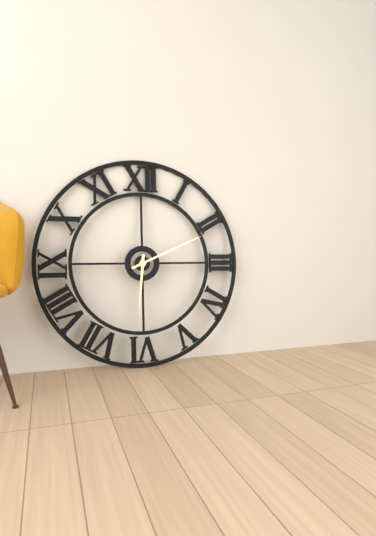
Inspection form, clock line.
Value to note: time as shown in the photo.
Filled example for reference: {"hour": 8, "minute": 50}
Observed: {"hour": 6, "minute": 11}
